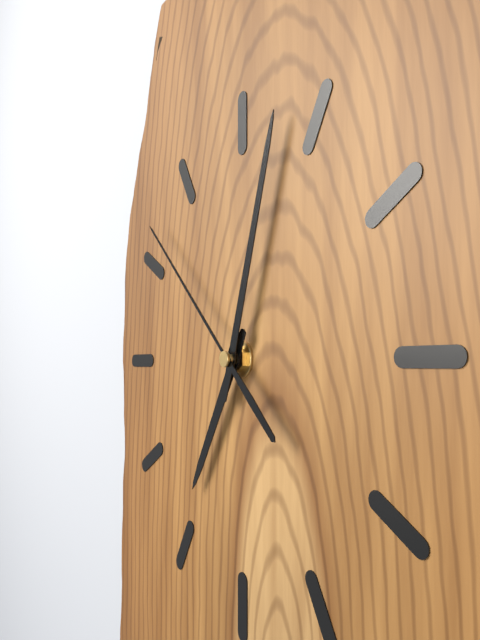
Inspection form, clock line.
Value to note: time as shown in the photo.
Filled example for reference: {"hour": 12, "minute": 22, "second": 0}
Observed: {"hour": 7, "minute": 3, "second": 52}
